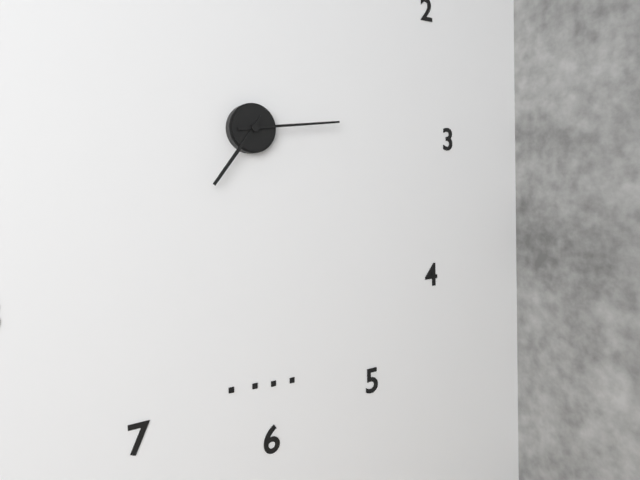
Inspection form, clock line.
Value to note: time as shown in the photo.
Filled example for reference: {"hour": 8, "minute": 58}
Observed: {"hour": 7, "minute": 14}
